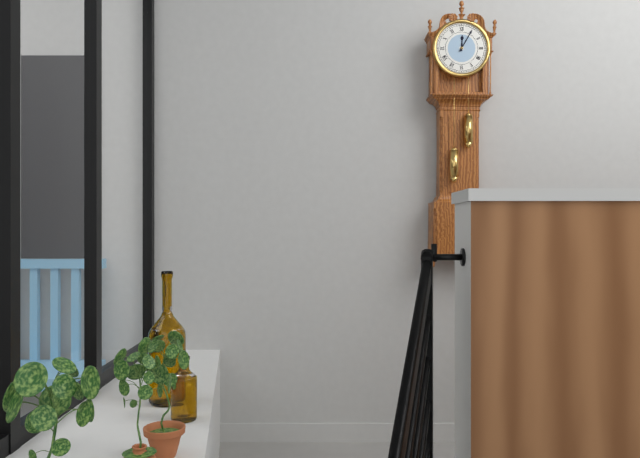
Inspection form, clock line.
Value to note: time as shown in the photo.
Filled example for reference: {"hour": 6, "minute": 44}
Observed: {"hour": 12, "minute": 5}
